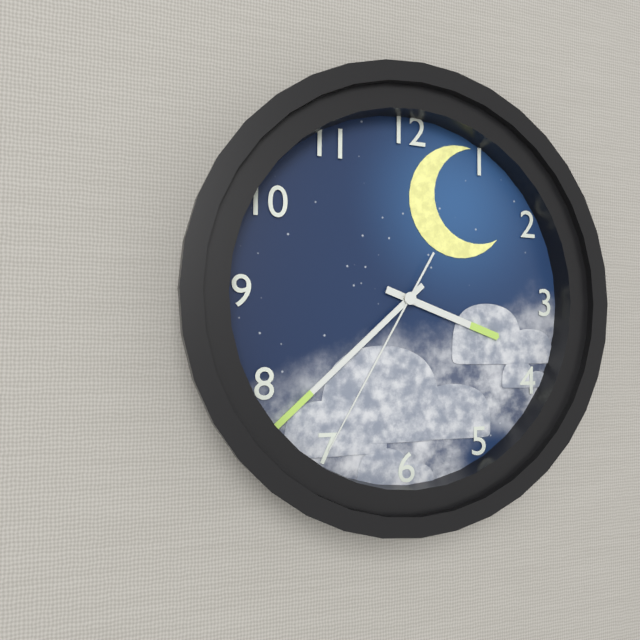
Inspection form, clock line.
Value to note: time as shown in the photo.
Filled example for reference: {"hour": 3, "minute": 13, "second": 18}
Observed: {"hour": 3, "minute": 38, "second": 35}
